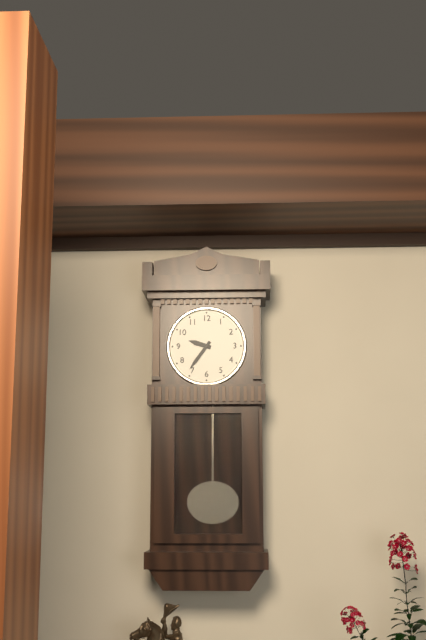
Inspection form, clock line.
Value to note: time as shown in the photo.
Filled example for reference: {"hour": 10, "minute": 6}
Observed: {"hour": 9, "minute": 36}
